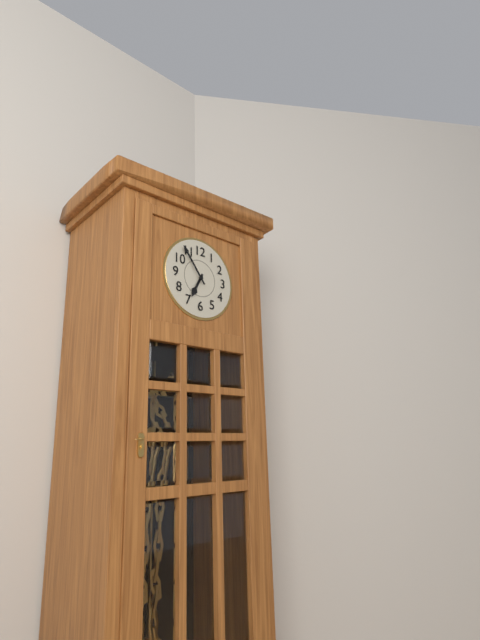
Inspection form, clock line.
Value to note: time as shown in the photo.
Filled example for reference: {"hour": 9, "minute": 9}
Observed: {"hour": 6, "minute": 54}
